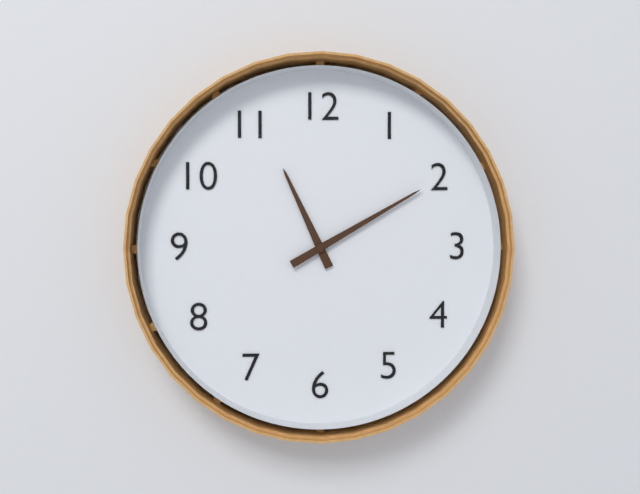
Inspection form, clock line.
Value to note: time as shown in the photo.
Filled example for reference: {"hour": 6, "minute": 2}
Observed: {"hour": 11, "minute": 10}
